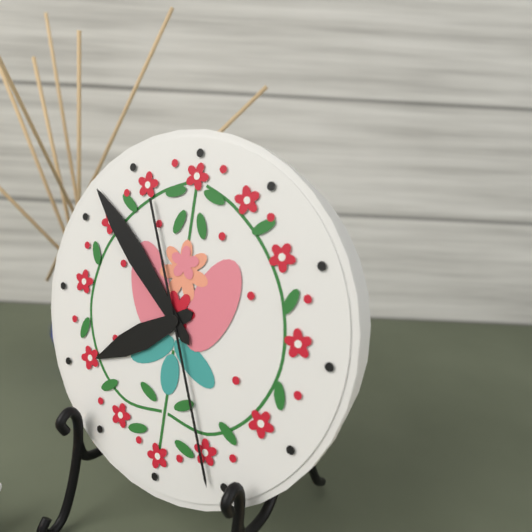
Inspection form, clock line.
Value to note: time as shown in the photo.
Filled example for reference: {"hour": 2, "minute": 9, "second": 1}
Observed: {"hour": 7, "minute": 52, "second": 26}
